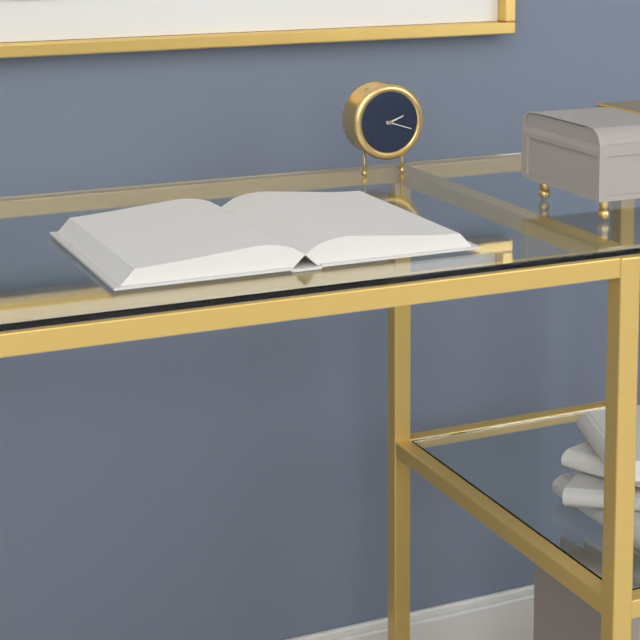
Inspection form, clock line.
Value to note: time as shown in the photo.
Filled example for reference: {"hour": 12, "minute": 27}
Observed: {"hour": 2, "minute": 18}
